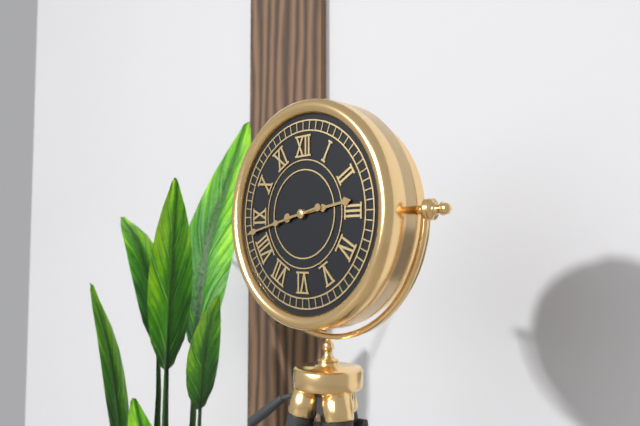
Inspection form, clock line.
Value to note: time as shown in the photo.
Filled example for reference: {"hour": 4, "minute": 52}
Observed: {"hour": 2, "minute": 43}
